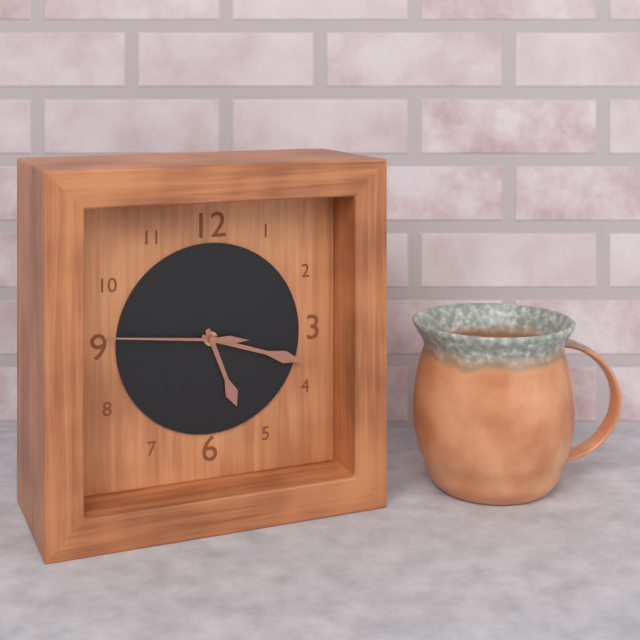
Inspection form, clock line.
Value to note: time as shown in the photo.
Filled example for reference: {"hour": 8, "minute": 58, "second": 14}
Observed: {"hour": 5, "minute": 18, "second": 46}
